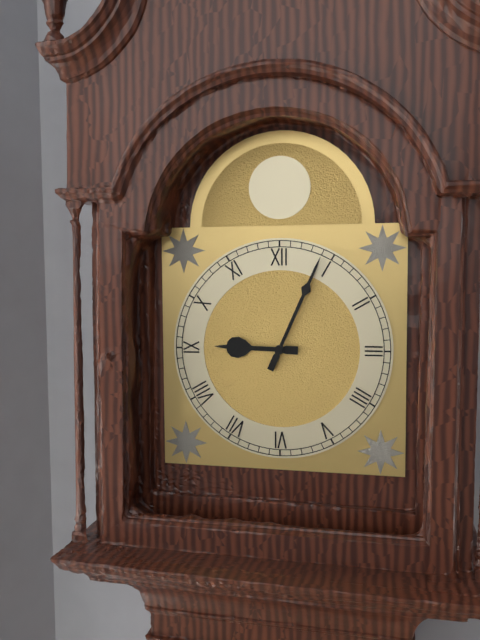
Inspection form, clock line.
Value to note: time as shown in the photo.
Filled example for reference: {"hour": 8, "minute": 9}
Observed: {"hour": 9, "minute": 4}
